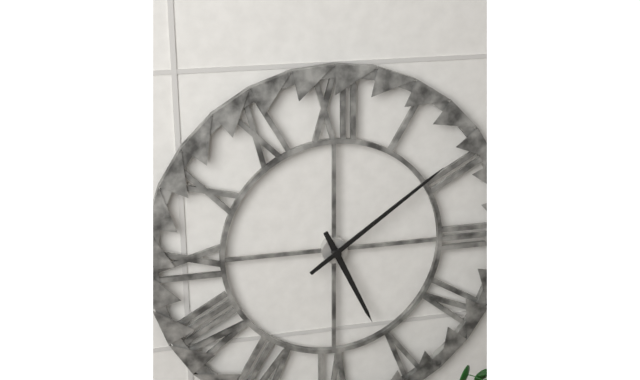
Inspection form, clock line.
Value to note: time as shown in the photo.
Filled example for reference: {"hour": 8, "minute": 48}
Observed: {"hour": 5, "minute": 9}
